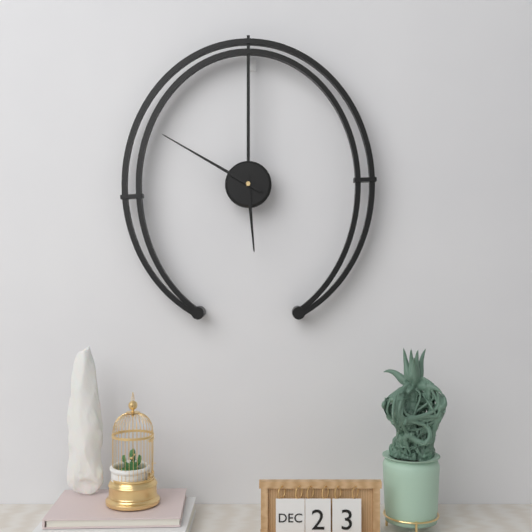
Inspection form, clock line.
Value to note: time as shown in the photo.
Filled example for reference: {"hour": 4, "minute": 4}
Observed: {"hour": 5, "minute": 50}
